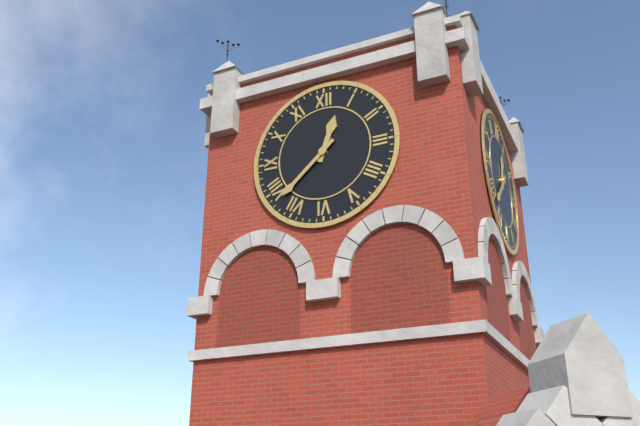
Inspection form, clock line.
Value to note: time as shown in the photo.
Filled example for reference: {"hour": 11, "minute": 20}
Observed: {"hour": 12, "minute": 38}
